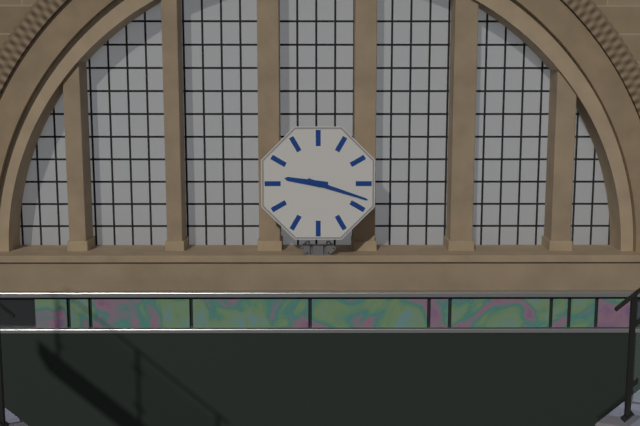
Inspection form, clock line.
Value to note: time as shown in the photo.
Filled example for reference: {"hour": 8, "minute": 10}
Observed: {"hour": 9, "minute": 18}
